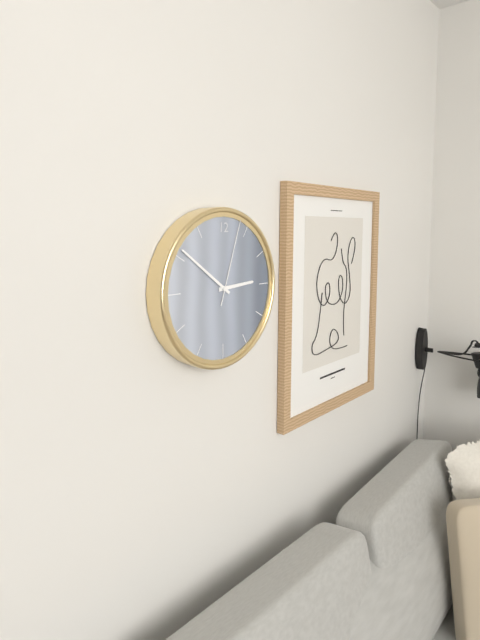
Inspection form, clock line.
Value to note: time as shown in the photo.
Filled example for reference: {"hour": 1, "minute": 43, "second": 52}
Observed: {"hour": 2, "minute": 51, "second": 3}
